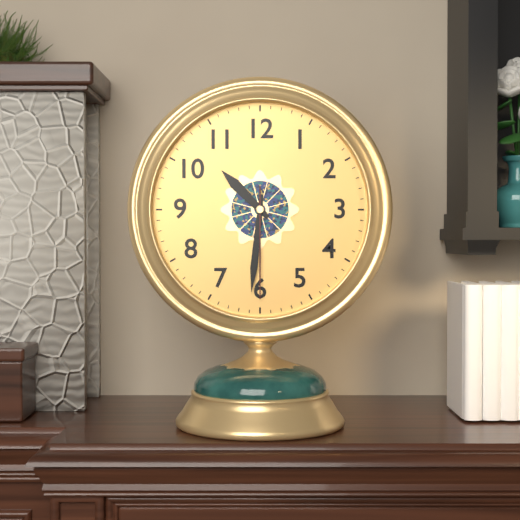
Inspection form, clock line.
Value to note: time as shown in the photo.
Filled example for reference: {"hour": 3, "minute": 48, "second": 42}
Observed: {"hour": 10, "minute": 31, "second": 30}
